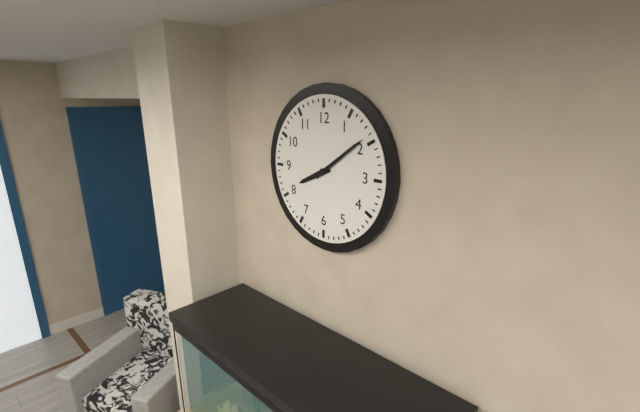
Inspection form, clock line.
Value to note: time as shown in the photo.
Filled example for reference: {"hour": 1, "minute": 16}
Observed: {"hour": 8, "minute": 9}
